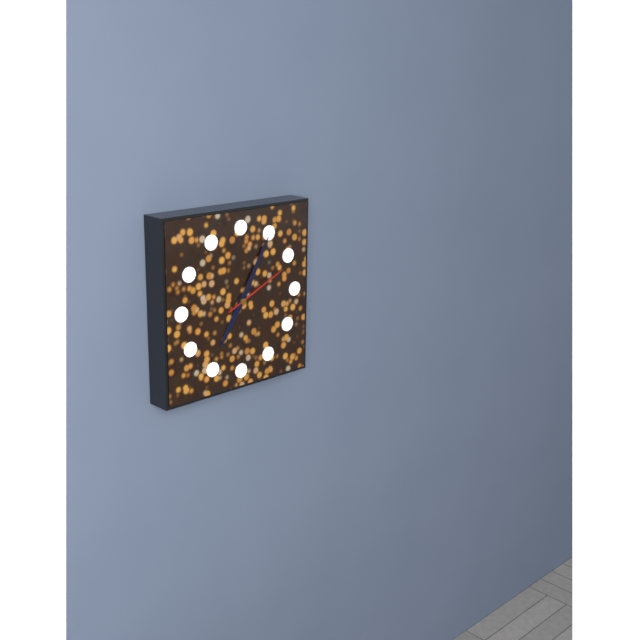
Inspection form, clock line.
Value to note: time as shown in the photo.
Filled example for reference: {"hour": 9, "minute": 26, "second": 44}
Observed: {"hour": 7, "minute": 5, "second": 11}
